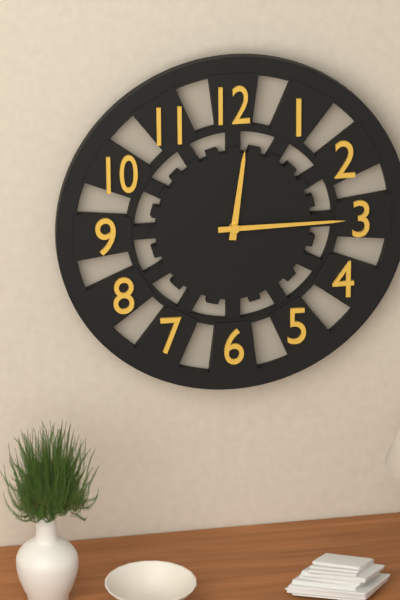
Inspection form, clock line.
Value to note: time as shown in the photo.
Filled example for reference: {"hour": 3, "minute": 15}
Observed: {"hour": 12, "minute": 15}
